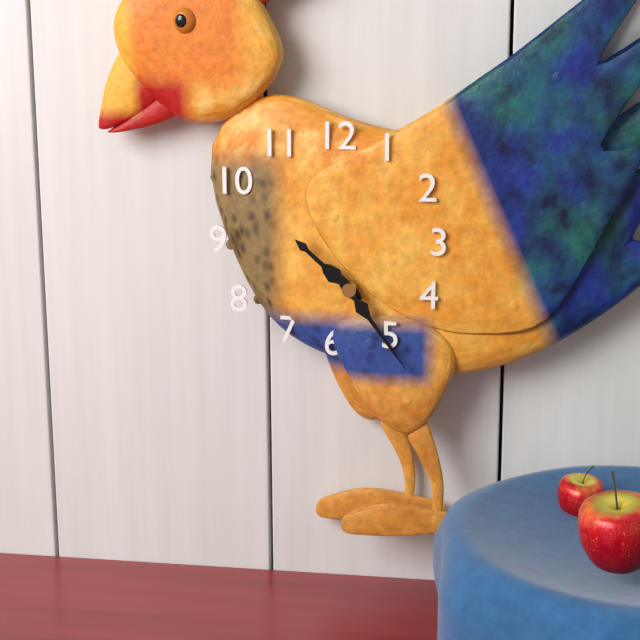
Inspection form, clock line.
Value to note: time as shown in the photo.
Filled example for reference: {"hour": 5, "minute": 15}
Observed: {"hour": 10, "minute": 24}
